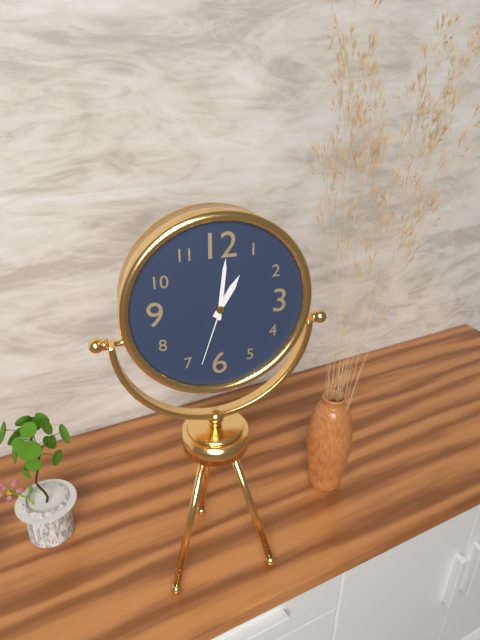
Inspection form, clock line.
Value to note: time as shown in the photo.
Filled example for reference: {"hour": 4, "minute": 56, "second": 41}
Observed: {"hour": 1, "minute": 1, "second": 33}
